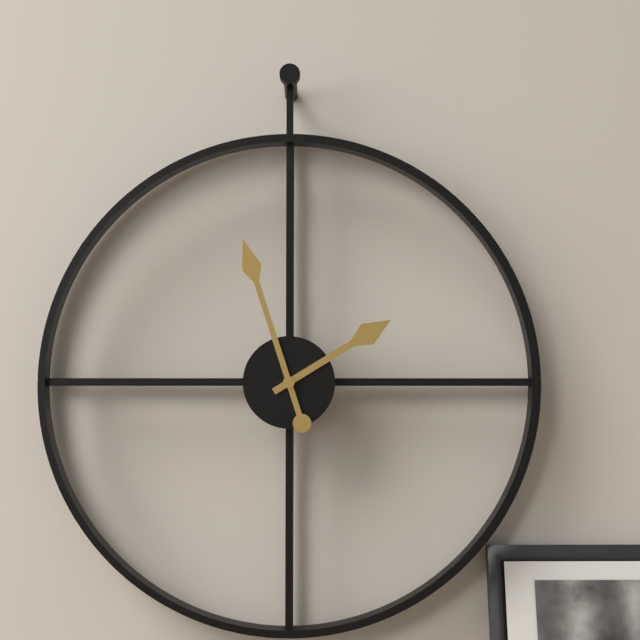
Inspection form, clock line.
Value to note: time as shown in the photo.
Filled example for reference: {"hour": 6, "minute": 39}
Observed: {"hour": 1, "minute": 57}
